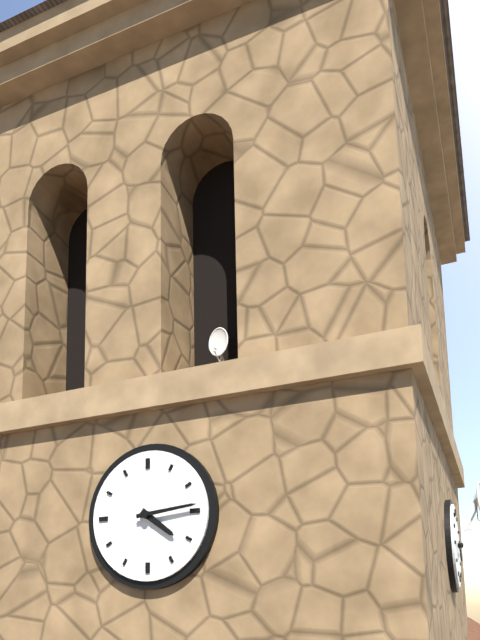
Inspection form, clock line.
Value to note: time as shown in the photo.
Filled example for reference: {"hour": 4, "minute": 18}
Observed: {"hour": 4, "minute": 14}
